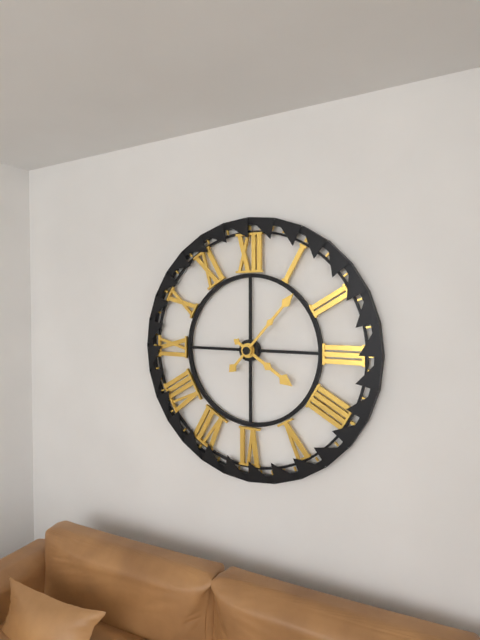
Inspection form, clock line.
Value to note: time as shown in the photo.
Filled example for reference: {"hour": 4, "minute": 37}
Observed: {"hour": 4, "minute": 7}
